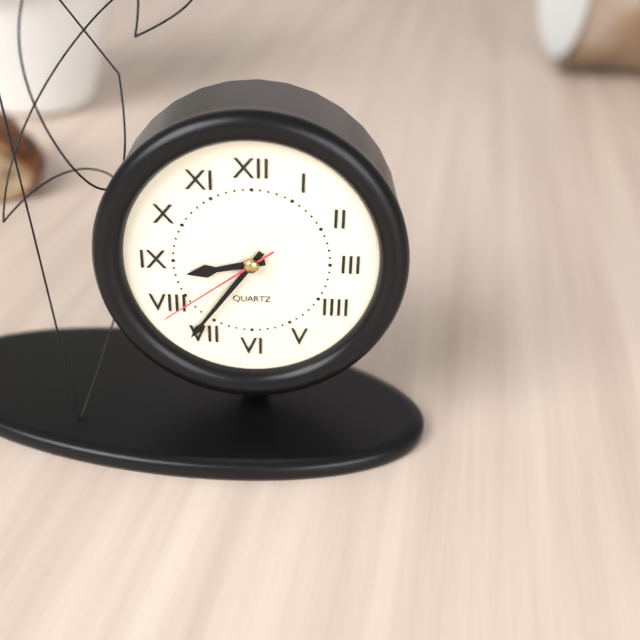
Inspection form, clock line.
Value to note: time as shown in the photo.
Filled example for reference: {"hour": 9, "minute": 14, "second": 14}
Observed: {"hour": 8, "minute": 36, "second": 39}
